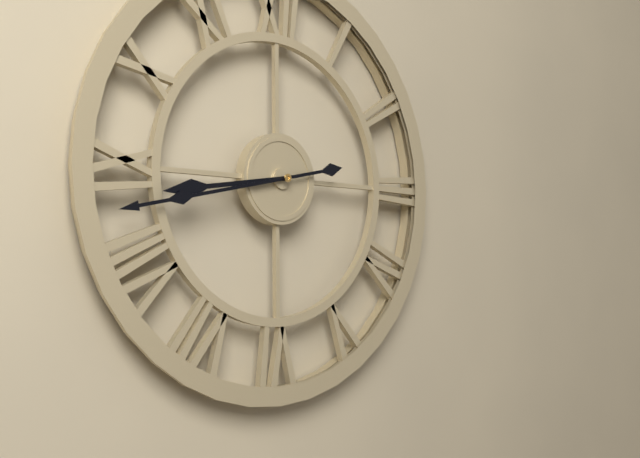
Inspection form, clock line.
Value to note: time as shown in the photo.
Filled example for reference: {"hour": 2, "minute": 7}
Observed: {"hour": 8, "minute": 43}
